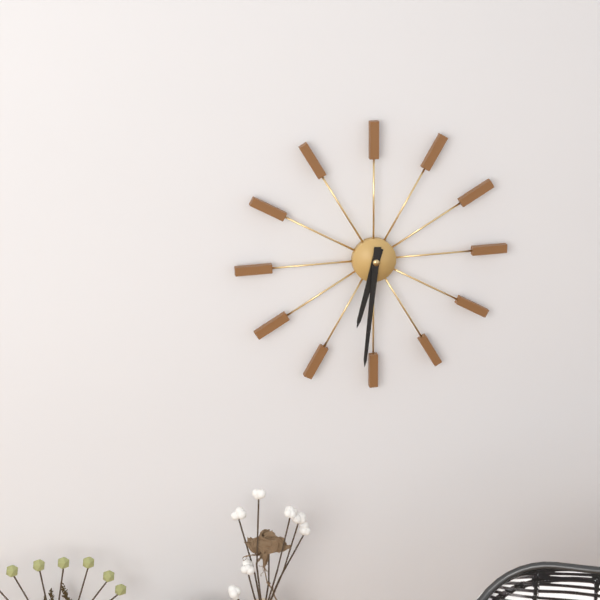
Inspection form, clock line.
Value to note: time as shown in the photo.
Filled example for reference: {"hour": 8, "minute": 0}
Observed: {"hour": 6, "minute": 31}
